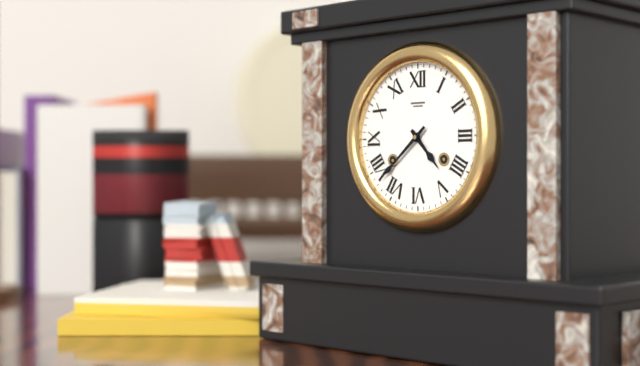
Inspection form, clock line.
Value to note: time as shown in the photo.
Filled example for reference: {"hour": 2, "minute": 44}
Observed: {"hour": 4, "minute": 38}
